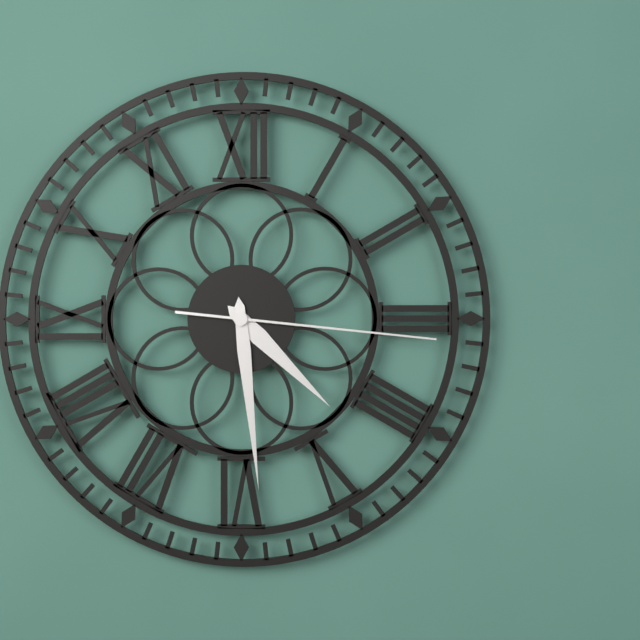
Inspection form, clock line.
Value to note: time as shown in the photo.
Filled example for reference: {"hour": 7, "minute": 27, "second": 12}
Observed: {"hour": 4, "minute": 29, "second": 16}
